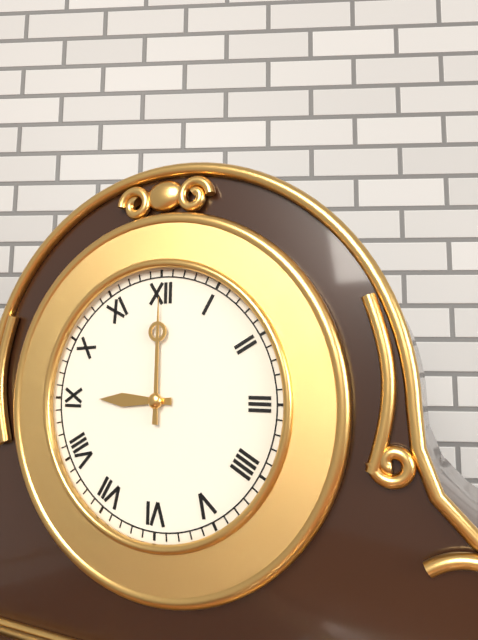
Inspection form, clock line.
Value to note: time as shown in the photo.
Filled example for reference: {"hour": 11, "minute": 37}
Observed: {"hour": 9, "minute": 0}
